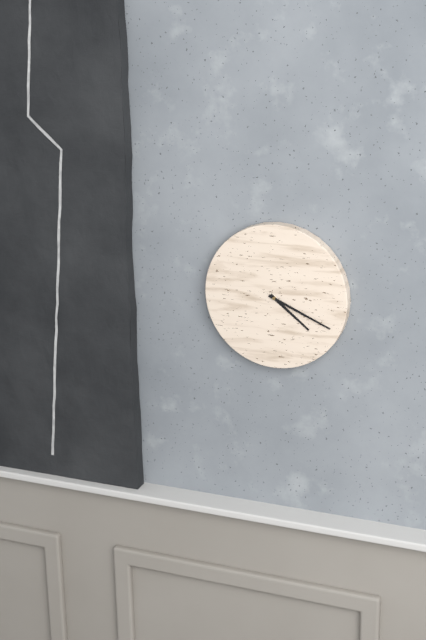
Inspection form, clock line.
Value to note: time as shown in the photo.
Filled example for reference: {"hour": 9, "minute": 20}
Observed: {"hour": 4, "minute": 19}
